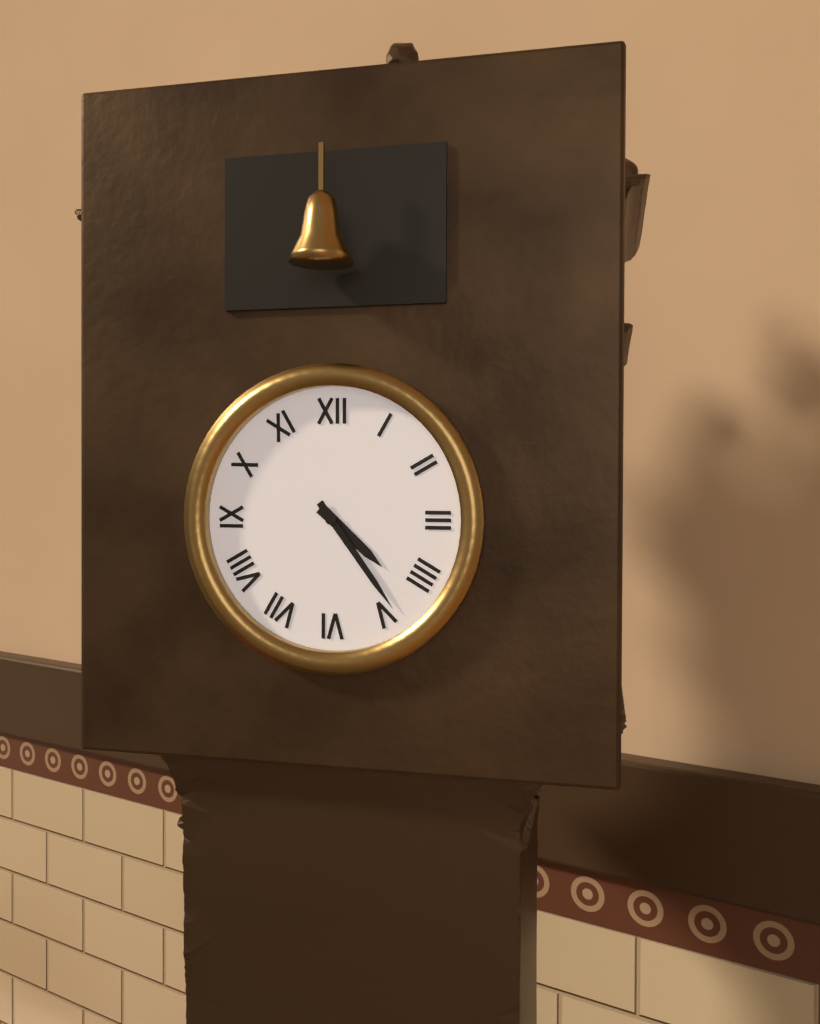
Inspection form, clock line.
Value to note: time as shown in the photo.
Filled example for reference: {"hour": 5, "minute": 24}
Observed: {"hour": 4, "minute": 24}
